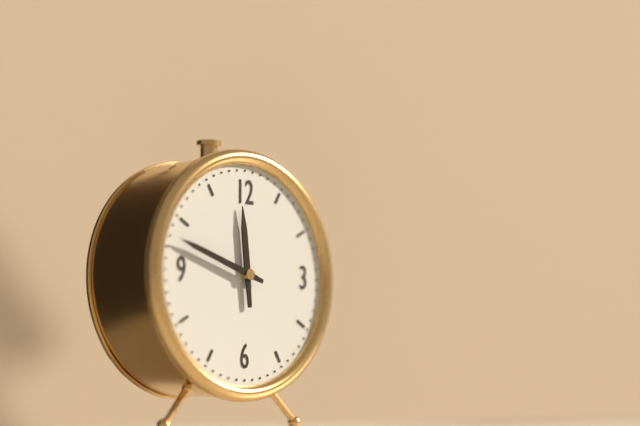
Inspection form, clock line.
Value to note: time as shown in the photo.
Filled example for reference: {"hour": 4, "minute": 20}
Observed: {"hour": 11, "minute": 48}
